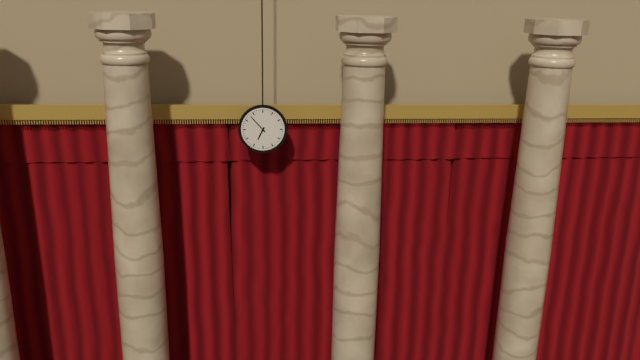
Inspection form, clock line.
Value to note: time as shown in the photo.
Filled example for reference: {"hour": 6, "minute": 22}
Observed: {"hour": 6, "minute": 53}
